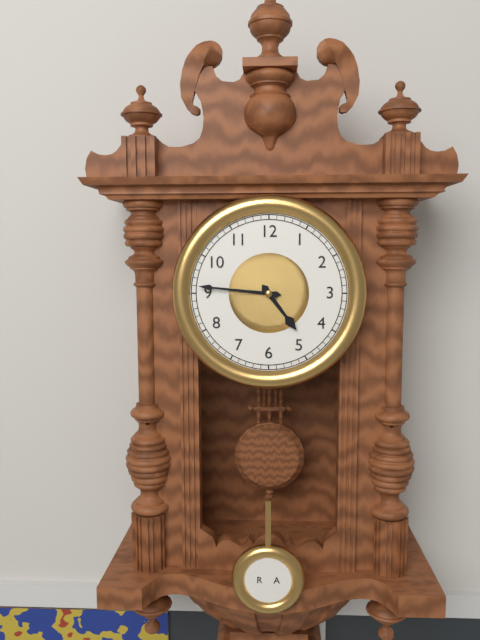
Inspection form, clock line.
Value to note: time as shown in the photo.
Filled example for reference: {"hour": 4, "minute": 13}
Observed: {"hour": 4, "minute": 46}
